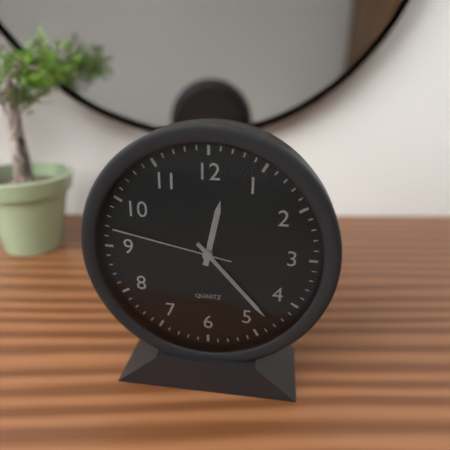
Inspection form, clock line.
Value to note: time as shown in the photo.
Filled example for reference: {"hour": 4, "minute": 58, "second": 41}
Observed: {"hour": 12, "minute": 23, "second": 47}
